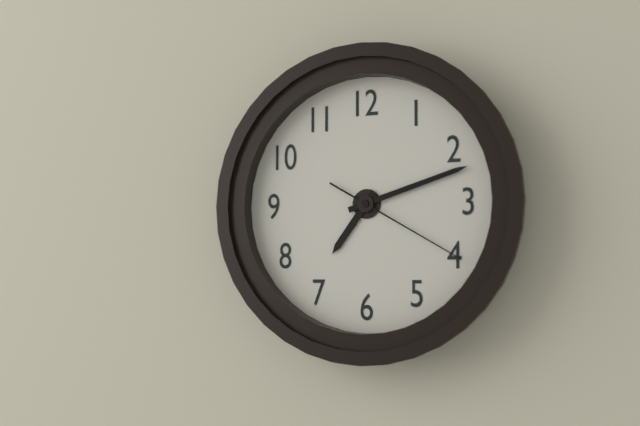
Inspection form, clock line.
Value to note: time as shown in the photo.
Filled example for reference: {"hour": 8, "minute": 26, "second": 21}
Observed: {"hour": 7, "minute": 12, "second": 20}
